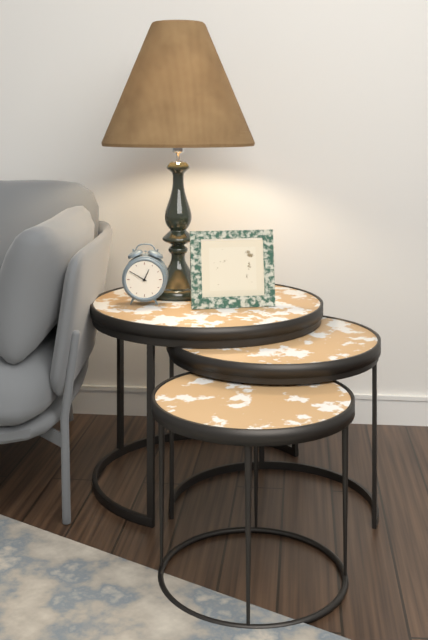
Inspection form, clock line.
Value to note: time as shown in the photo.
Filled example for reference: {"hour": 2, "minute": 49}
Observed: {"hour": 12, "minute": 50}
